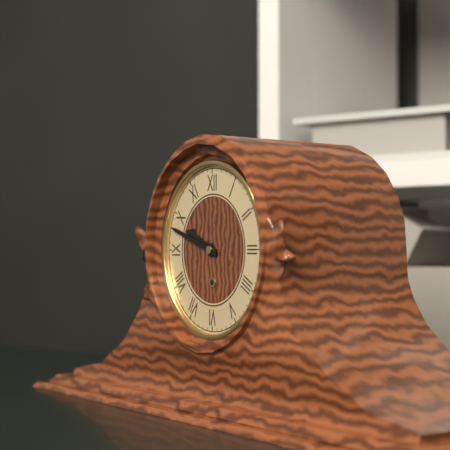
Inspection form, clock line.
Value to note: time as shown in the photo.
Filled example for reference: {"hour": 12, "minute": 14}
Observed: {"hour": 9, "minute": 48}
